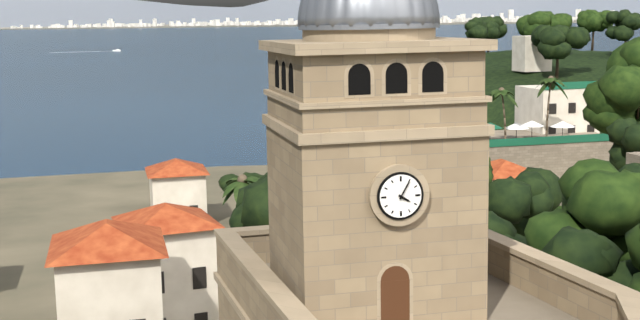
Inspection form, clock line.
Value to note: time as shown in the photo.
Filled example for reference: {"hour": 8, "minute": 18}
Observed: {"hour": 4, "minute": 5}
